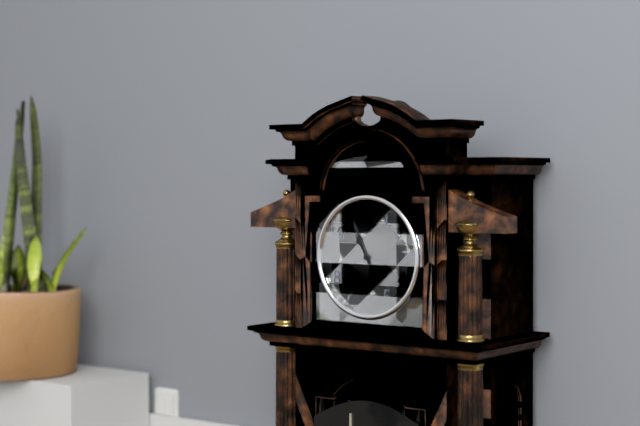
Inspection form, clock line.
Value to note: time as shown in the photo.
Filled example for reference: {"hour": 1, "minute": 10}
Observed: {"hour": 10, "minute": 56}
